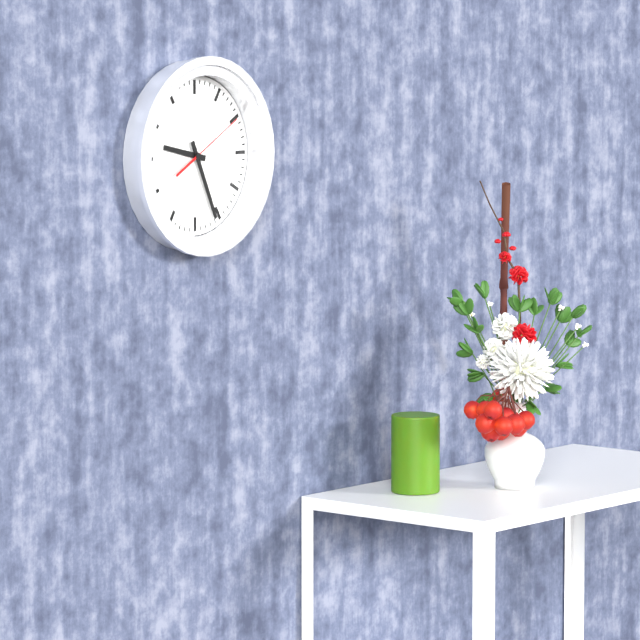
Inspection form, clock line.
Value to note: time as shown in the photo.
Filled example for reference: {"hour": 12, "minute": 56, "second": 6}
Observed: {"hour": 9, "minute": 26, "second": 10}
